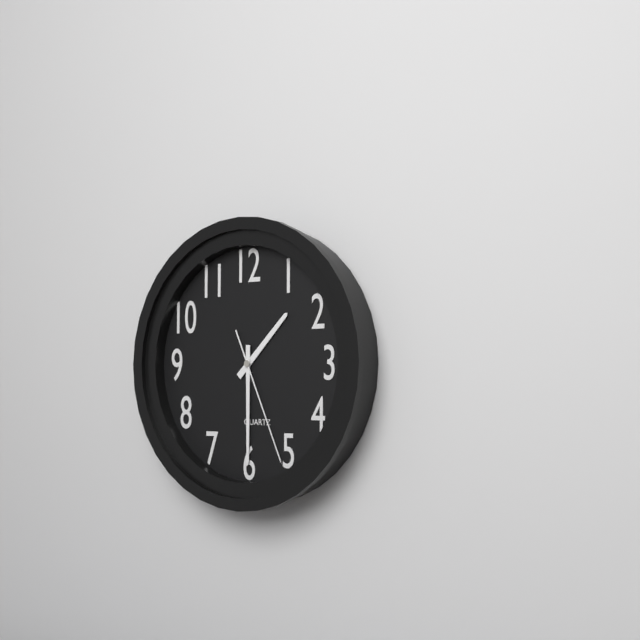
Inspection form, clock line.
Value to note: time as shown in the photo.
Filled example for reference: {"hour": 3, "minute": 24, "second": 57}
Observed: {"hour": 1, "minute": 30, "second": 26}
